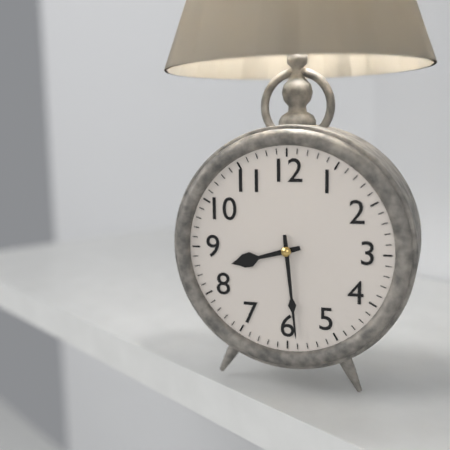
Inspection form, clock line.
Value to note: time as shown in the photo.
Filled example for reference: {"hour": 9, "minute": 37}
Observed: {"hour": 8, "minute": 29}
